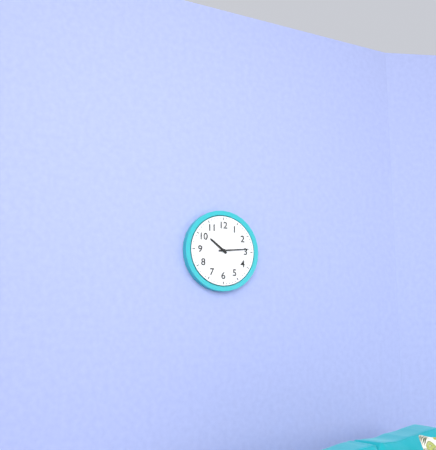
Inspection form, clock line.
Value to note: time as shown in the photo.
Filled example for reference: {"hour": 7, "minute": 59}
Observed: {"hour": 10, "minute": 14}
